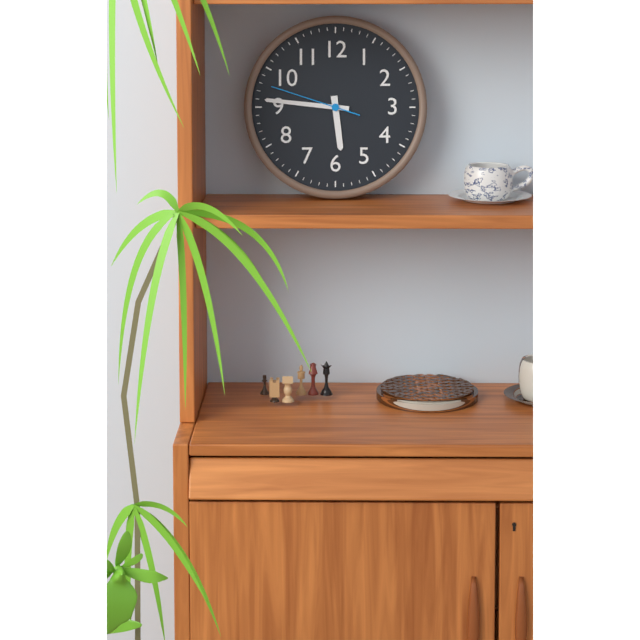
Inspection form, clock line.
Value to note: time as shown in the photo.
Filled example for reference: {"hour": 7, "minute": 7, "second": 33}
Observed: {"hour": 5, "minute": 46, "second": 48}
